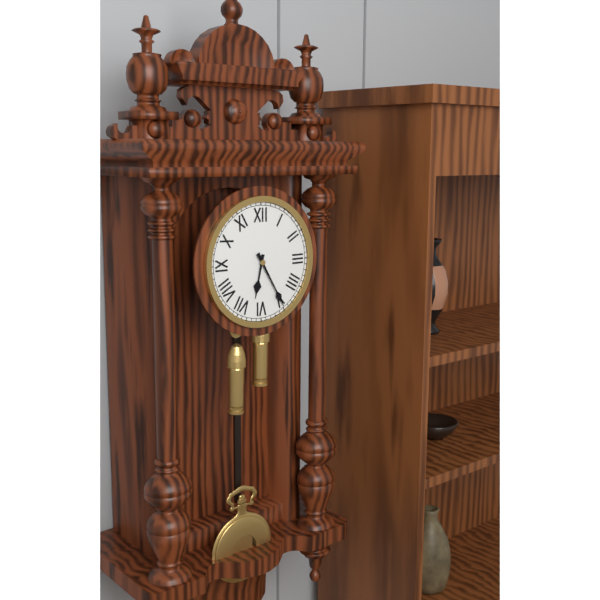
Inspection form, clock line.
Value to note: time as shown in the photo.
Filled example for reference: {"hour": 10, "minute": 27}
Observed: {"hour": 6, "minute": 25}
